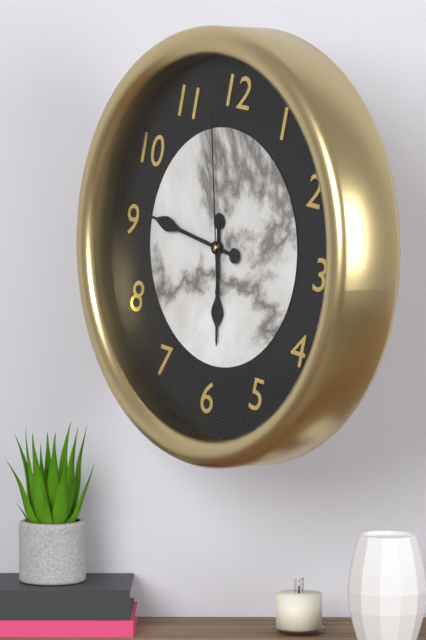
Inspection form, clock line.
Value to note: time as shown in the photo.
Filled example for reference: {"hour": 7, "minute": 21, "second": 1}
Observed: {"hour": 5, "minute": 46, "second": 58}
